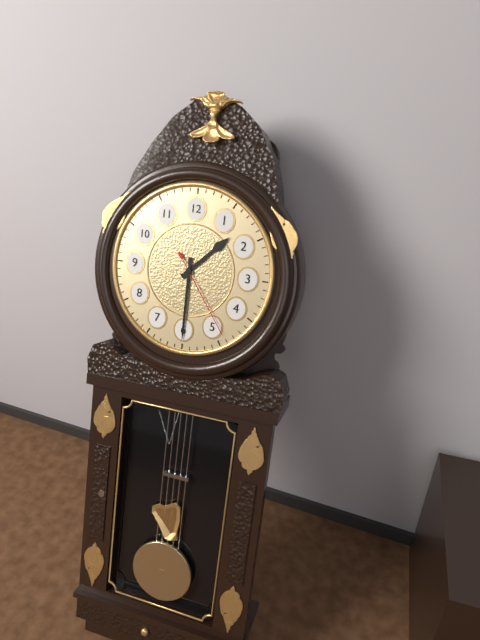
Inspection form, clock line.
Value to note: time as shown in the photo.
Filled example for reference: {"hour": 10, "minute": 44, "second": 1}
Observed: {"hour": 1, "minute": 30, "second": 24}
